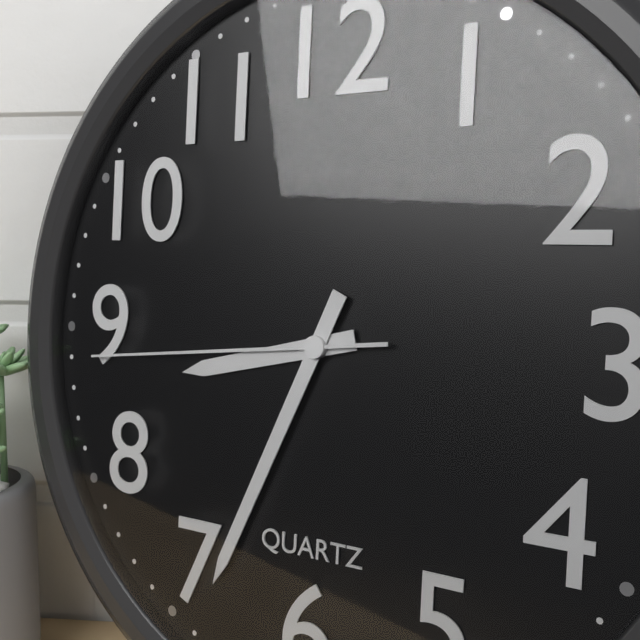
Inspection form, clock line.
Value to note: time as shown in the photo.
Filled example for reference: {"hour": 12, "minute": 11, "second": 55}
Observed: {"hour": 8, "minute": 34, "second": 44}
